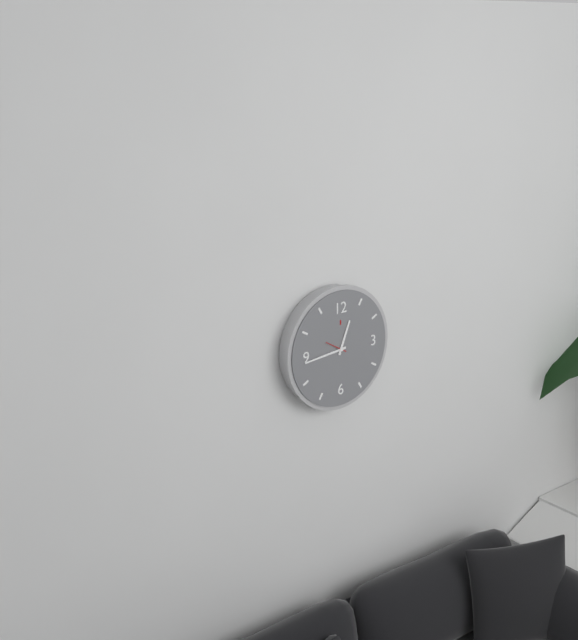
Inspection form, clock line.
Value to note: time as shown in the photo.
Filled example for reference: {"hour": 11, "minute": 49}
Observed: {"hour": 12, "minute": 44}
